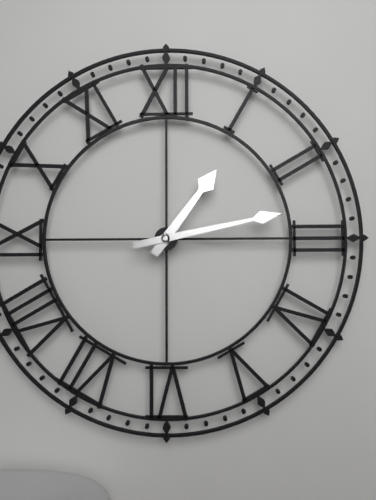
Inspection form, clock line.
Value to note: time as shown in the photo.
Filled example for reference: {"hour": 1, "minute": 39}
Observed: {"hour": 1, "minute": 13}
